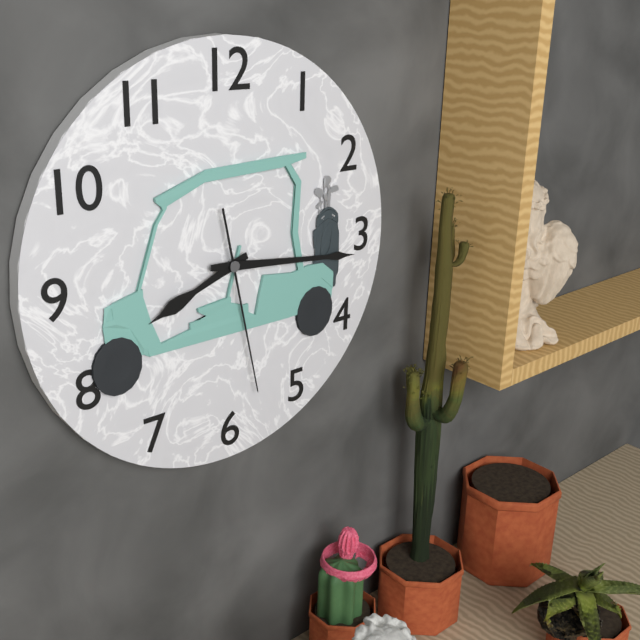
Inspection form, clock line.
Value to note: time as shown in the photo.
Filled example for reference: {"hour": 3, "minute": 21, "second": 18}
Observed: {"hour": 8, "minute": 16, "second": 28}
